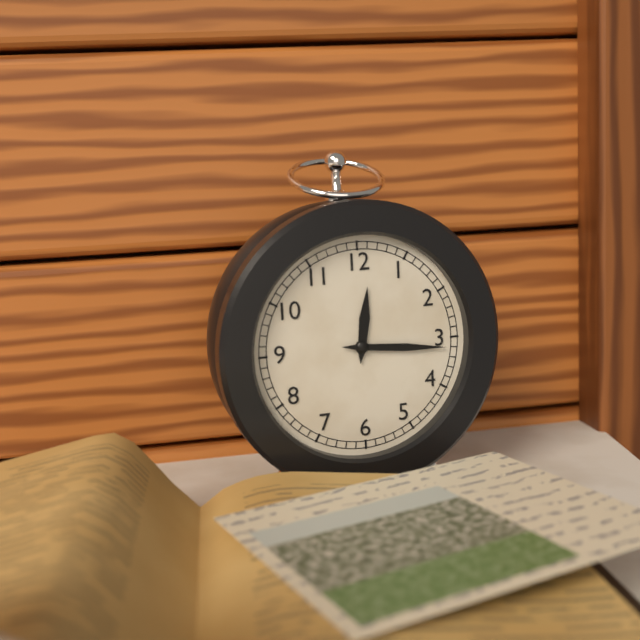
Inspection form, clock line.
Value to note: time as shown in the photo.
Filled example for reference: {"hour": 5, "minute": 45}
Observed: {"hour": 12, "minute": 16}
